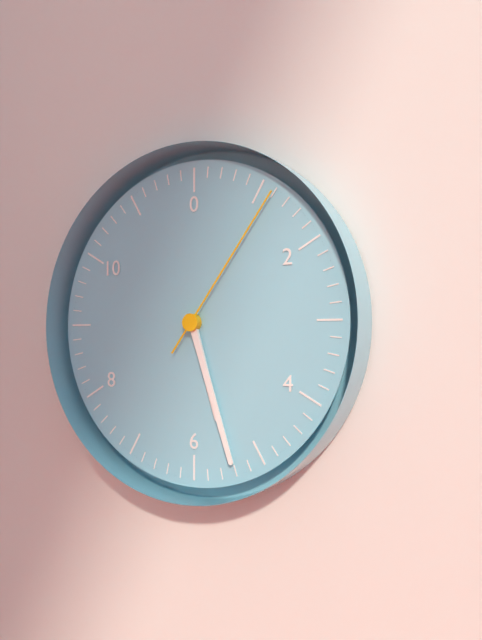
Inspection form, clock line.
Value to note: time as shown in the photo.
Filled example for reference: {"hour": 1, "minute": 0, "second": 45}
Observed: {"hour": 5, "minute": 27, "second": 6}
